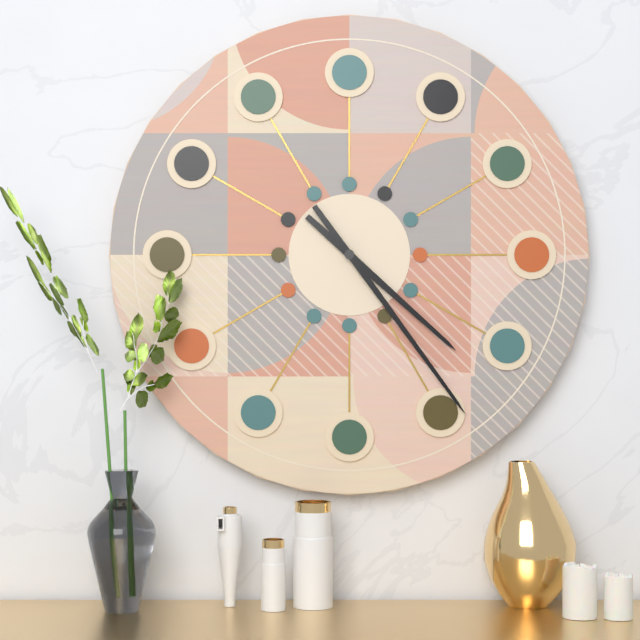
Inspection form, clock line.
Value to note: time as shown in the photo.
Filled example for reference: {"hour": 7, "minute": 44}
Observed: {"hour": 4, "minute": 24}
